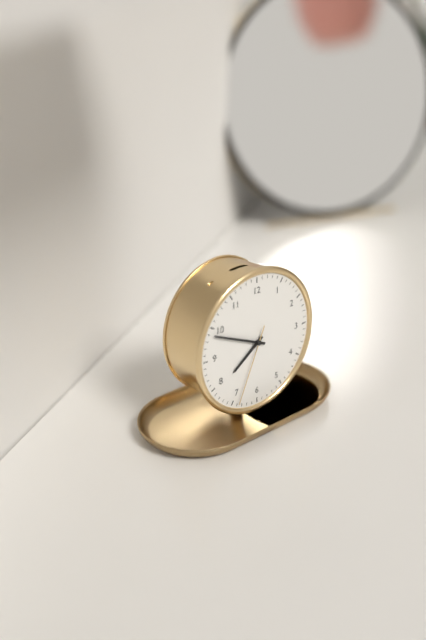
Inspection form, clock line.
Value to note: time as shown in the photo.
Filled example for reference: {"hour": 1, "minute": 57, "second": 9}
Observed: {"hour": 7, "minute": 49, "second": 34}
